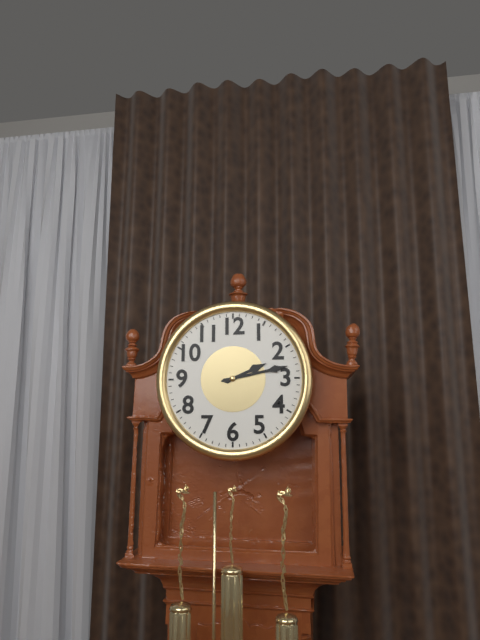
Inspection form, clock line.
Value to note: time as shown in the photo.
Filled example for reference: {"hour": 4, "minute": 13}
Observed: {"hour": 2, "minute": 13}
